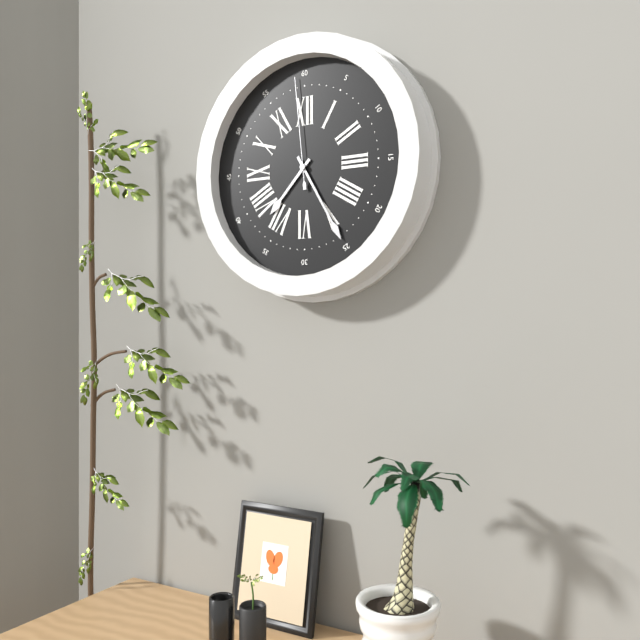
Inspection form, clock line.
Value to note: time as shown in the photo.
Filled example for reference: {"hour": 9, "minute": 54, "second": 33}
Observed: {"hour": 7, "minute": 25, "second": 59}
